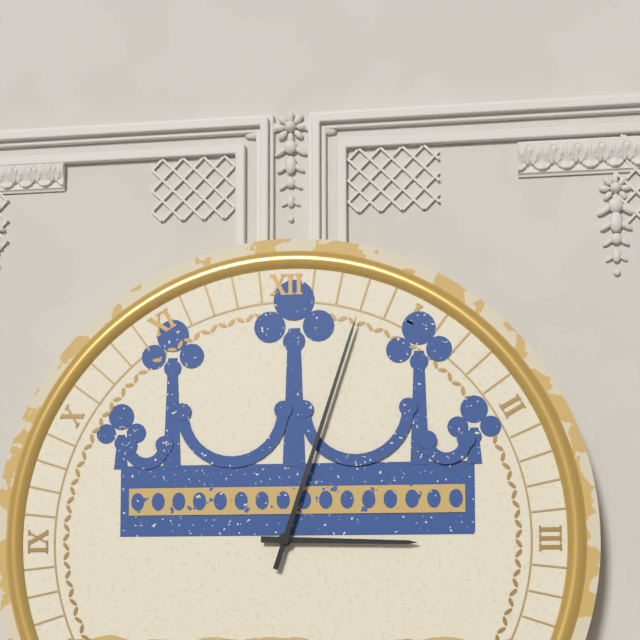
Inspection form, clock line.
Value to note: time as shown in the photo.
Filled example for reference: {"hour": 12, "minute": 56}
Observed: {"hour": 3, "minute": 3}
